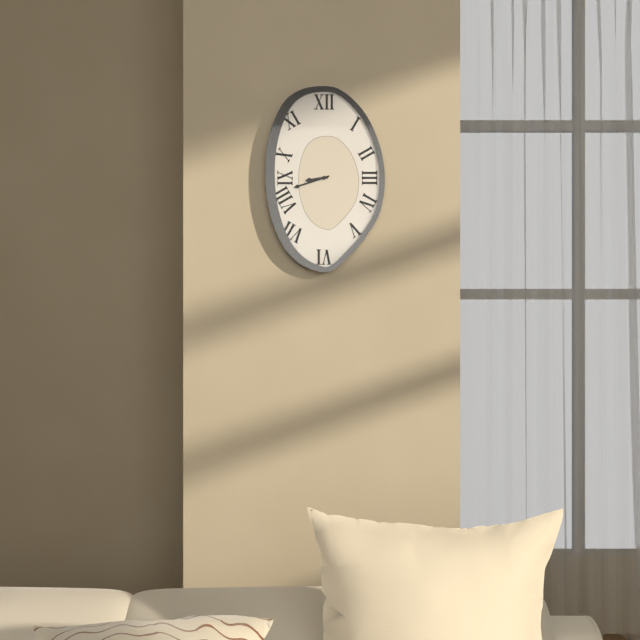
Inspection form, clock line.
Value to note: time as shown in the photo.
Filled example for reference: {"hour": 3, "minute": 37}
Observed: {"hour": 8, "minute": 42}
